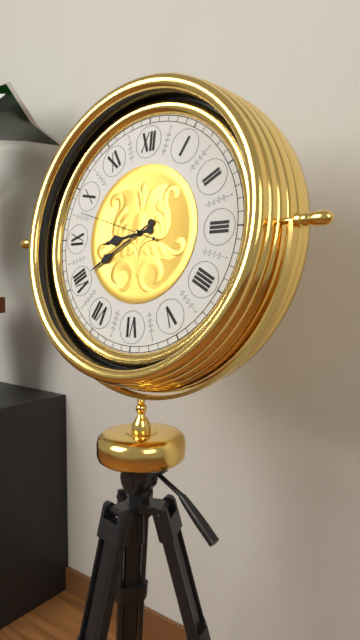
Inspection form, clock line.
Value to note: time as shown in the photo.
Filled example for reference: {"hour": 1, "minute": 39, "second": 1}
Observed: {"hour": 8, "minute": 40, "second": 48}
